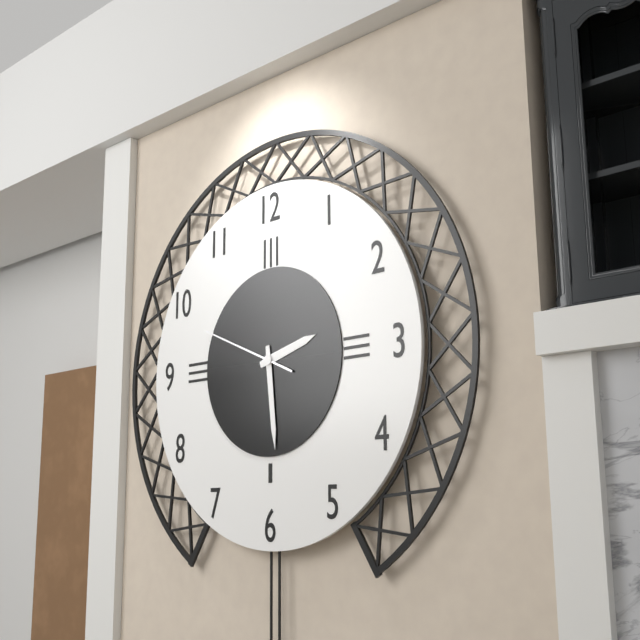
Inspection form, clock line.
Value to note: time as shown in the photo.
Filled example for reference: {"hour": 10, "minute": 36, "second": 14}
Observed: {"hour": 2, "minute": 29, "second": 49}
